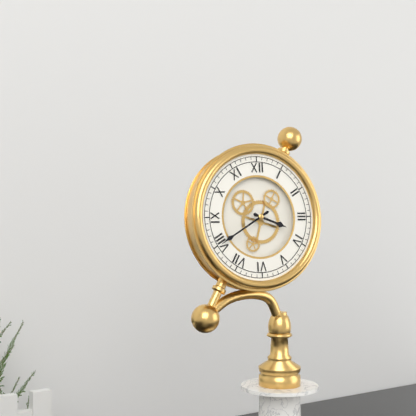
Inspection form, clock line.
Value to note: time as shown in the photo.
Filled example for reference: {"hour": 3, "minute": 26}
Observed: {"hour": 3, "minute": 40}
